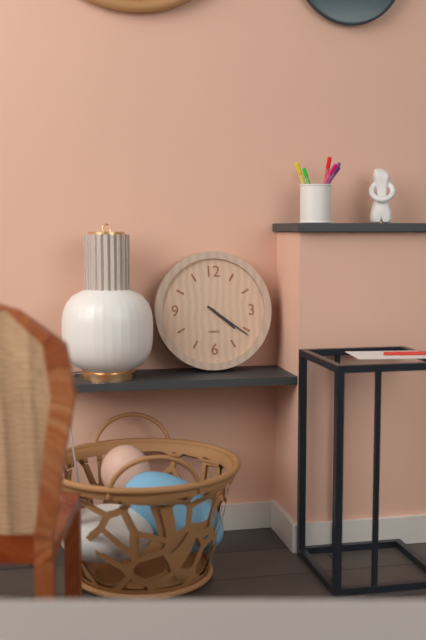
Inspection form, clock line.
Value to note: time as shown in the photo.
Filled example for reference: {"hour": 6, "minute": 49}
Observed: {"hour": 4, "minute": 21}
